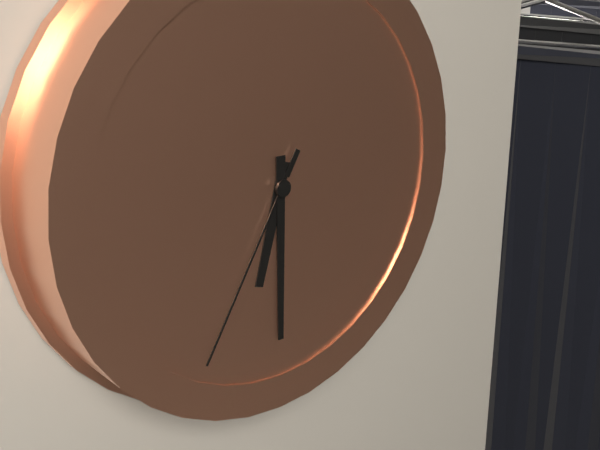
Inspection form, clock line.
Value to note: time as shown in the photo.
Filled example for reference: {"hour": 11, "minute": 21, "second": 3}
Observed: {"hour": 6, "minute": 30, "second": 35}
